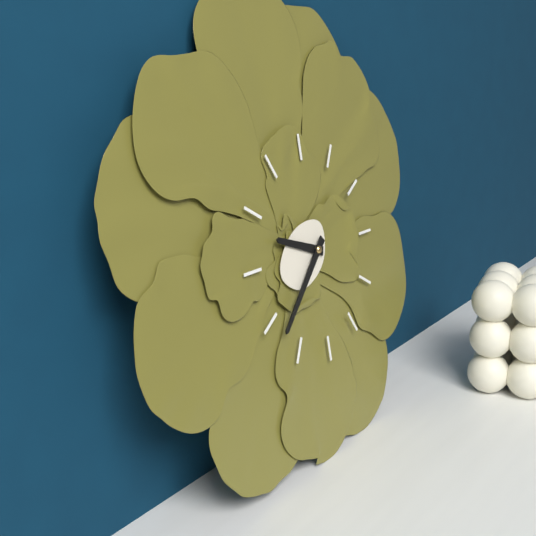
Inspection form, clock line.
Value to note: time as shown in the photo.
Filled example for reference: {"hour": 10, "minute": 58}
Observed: {"hour": 9, "minute": 38}
